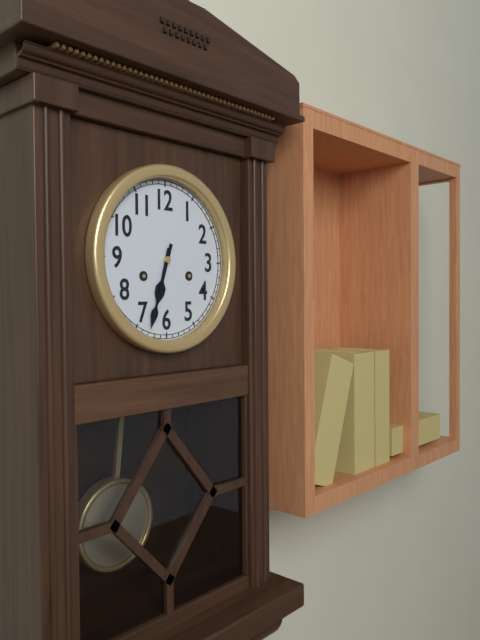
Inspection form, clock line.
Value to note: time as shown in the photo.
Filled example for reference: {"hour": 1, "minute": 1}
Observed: {"hour": 6, "minute": 33}
